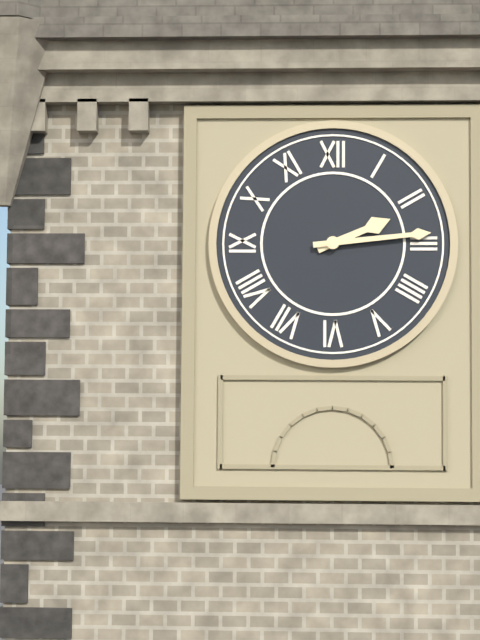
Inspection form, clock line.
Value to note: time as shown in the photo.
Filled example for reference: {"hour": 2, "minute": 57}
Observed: {"hour": 2, "minute": 14}
